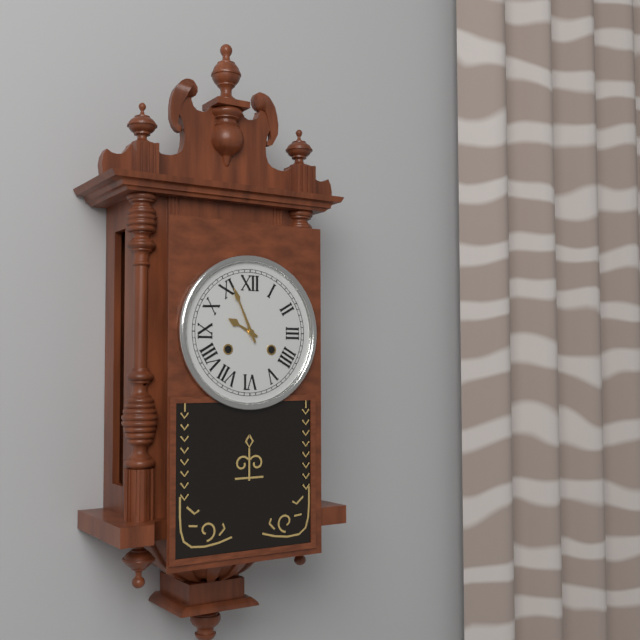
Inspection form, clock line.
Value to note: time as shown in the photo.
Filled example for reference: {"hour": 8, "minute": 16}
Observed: {"hour": 9, "minute": 56}
